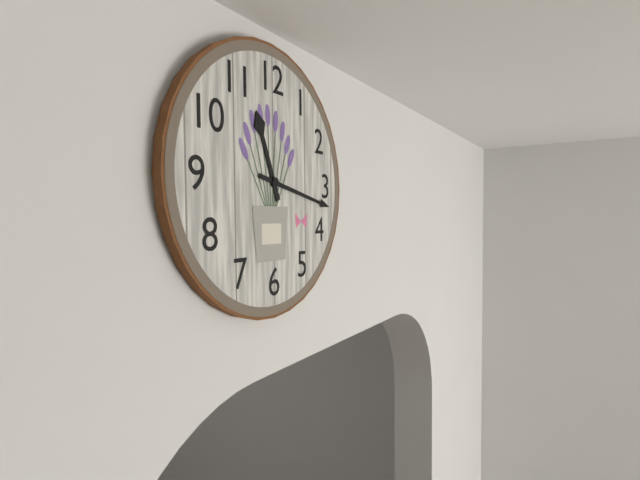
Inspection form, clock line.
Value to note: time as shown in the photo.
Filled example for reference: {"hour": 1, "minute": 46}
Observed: {"hour": 11, "minute": 17}
